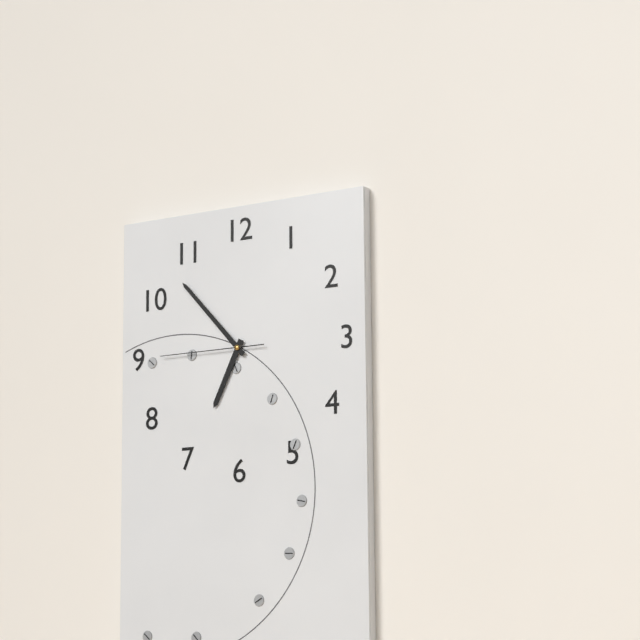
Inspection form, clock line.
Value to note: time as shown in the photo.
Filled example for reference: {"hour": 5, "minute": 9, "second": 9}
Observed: {"hour": 6, "minute": 53, "second": 45}
